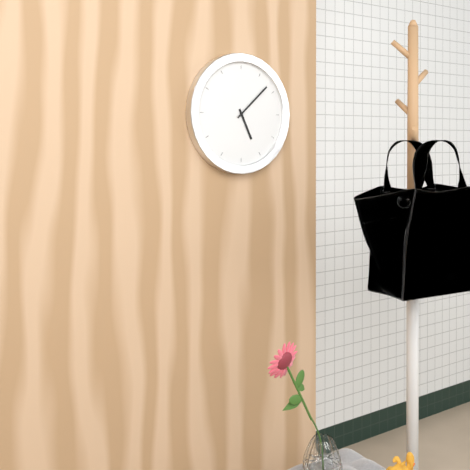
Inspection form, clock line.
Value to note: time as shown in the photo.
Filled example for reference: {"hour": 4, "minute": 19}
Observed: {"hour": 5, "minute": 8}
